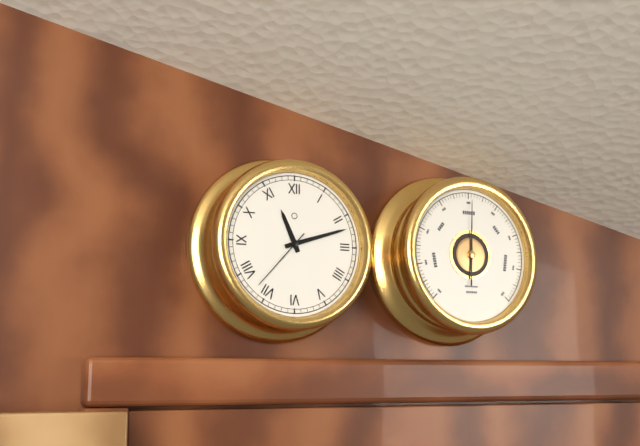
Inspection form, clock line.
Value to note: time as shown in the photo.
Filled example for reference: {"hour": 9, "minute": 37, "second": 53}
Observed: {"hour": 11, "minute": 12, "second": 37}
